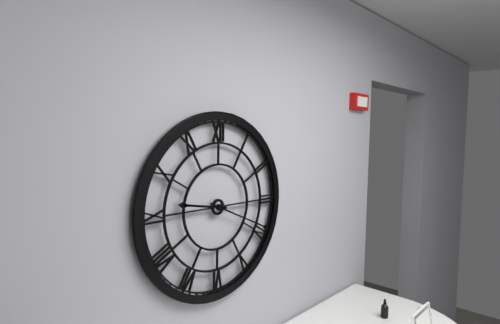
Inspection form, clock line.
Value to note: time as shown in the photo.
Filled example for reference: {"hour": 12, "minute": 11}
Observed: {"hour": 9, "minute": 19}
